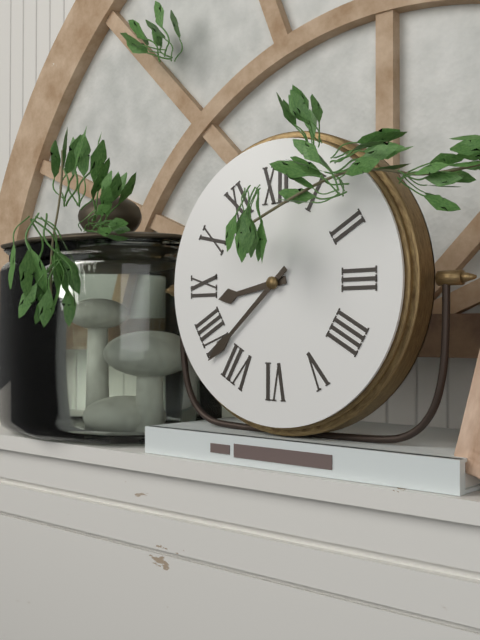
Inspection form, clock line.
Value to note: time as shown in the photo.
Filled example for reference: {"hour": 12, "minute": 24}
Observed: {"hour": 8, "minute": 38}
